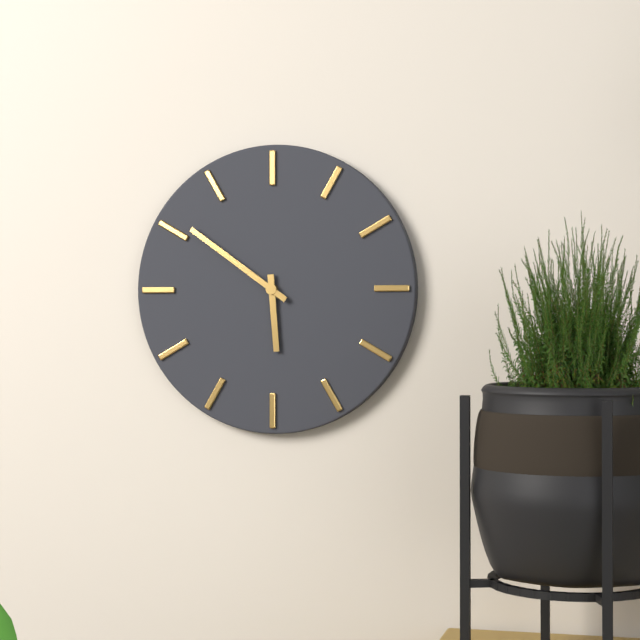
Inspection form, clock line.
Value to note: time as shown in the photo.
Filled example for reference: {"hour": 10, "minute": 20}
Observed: {"hour": 5, "minute": 51}
